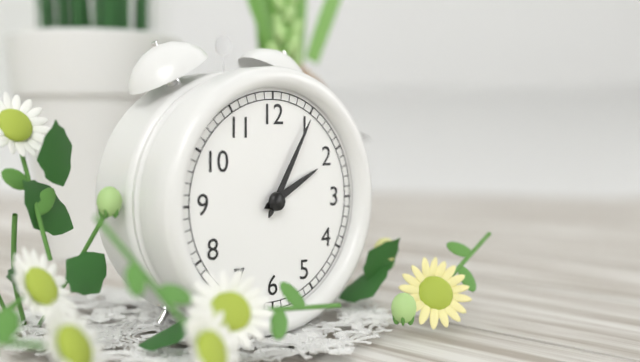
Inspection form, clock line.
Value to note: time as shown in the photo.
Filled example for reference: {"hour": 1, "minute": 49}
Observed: {"hour": 2, "minute": 5}
